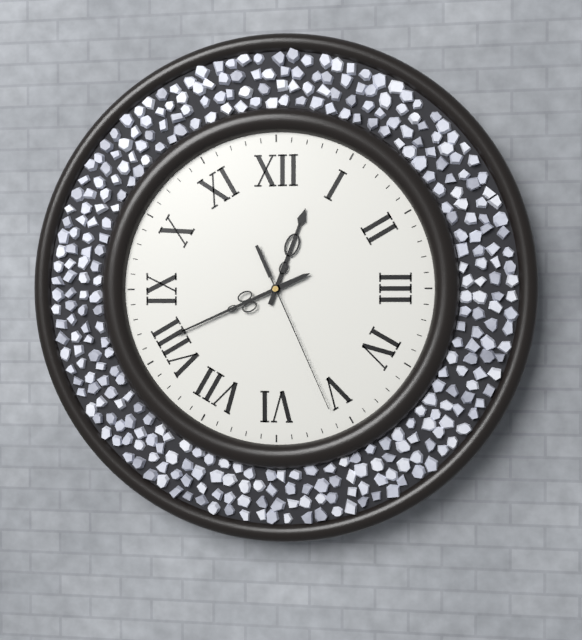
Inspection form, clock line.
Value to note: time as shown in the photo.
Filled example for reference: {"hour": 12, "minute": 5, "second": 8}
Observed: {"hour": 12, "minute": 41, "second": 26}
